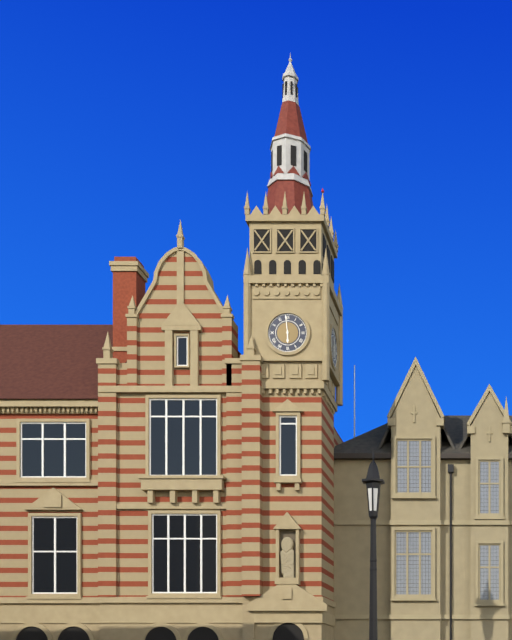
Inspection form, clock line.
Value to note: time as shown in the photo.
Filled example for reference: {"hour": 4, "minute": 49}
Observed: {"hour": 5, "minute": 59}
